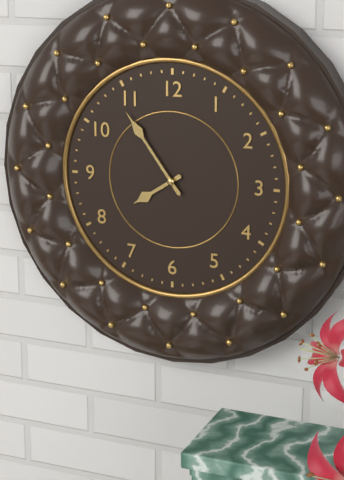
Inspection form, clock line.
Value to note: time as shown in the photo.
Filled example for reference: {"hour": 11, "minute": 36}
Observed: {"hour": 7, "minute": 54}
